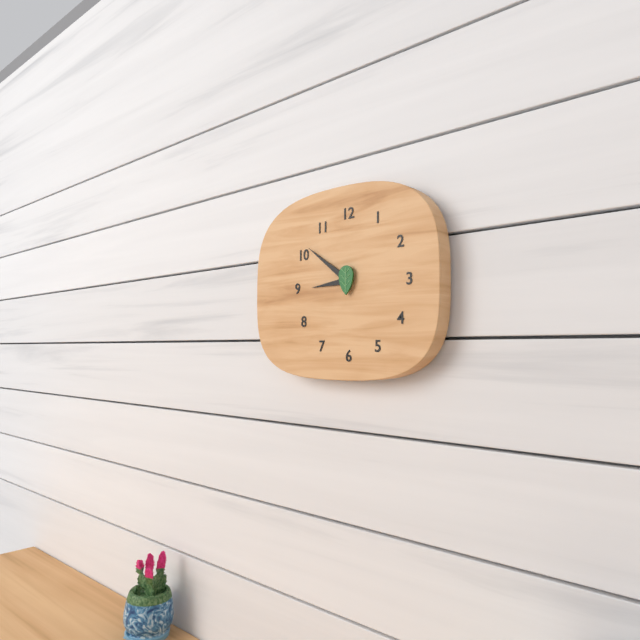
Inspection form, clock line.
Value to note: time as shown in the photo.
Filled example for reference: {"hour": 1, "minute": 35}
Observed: {"hour": 8, "minute": 51}
